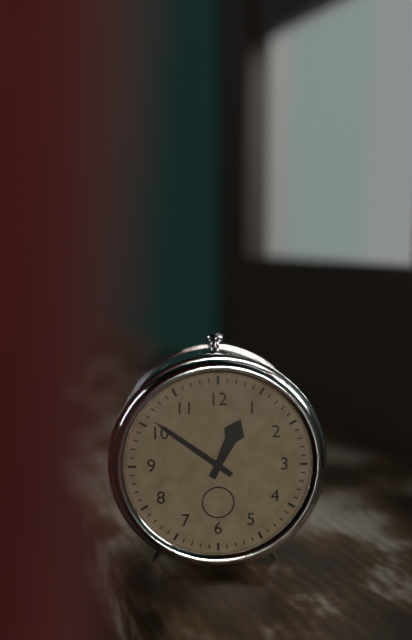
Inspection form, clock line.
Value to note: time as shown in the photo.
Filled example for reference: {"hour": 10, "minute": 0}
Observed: {"hour": 12, "minute": 51}
